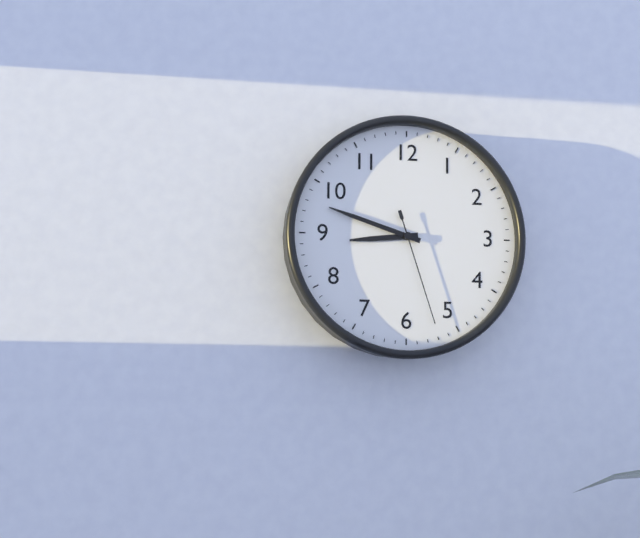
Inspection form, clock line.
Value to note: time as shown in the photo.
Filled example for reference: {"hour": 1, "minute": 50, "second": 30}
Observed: {"hour": 8, "minute": 48, "second": 27}
